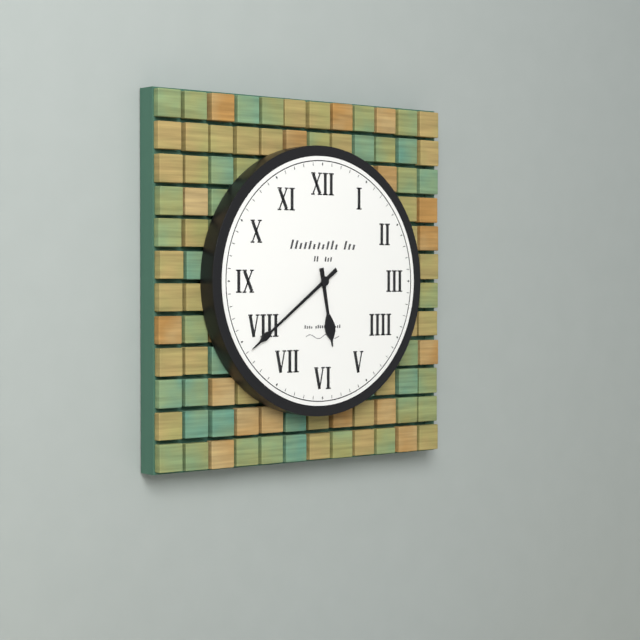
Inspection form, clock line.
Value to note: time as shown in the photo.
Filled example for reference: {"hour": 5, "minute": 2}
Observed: {"hour": 5, "minute": 39}
